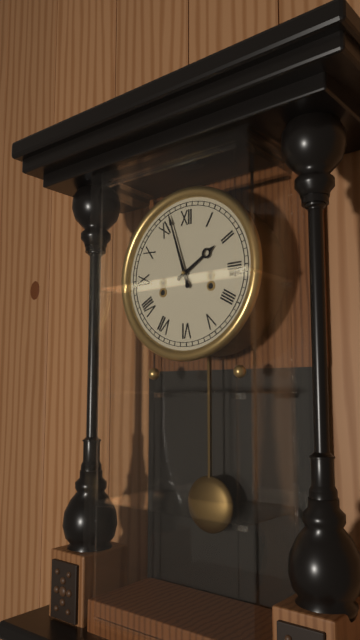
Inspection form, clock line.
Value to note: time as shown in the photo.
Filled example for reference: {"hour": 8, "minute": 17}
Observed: {"hour": 1, "minute": 57}
